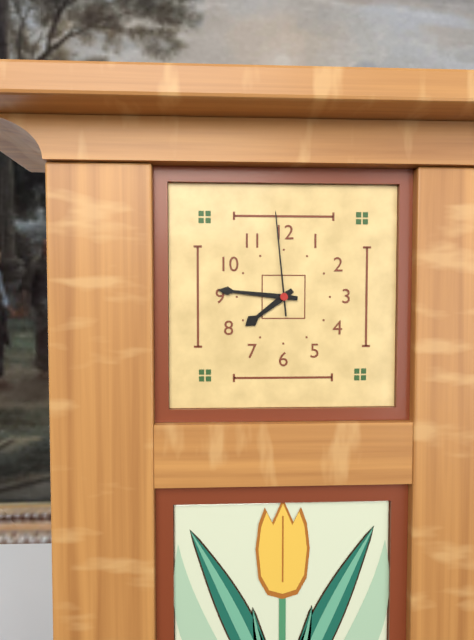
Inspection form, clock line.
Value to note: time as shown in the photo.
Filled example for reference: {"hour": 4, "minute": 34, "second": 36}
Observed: {"hour": 7, "minute": 46, "second": 59}
